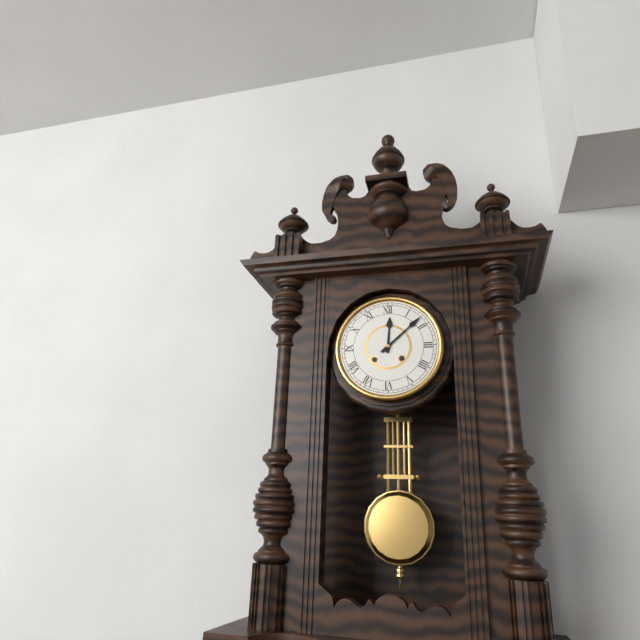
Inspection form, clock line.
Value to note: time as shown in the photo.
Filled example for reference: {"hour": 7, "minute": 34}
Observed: {"hour": 12, "minute": 8}
